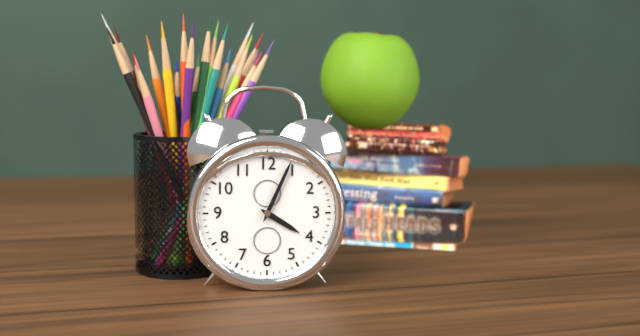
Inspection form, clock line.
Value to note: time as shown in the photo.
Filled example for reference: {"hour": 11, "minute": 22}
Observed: {"hour": 4, "minute": 4}
